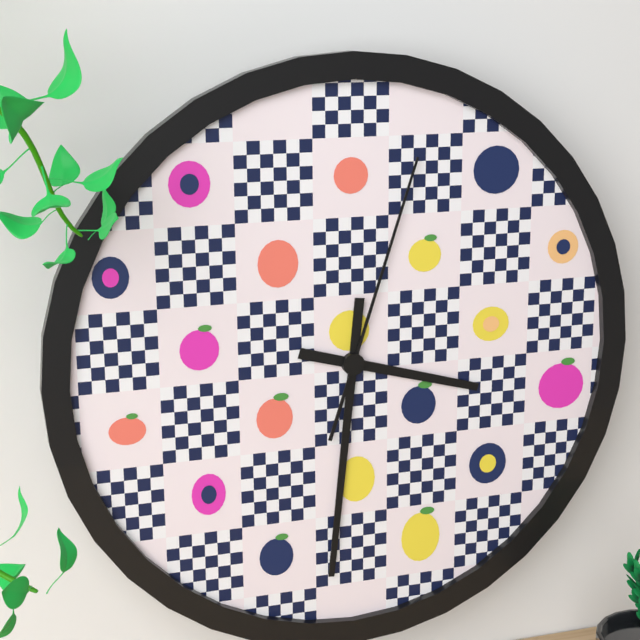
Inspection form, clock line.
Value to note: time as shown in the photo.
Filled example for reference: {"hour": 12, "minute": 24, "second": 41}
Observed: {"hour": 3, "minute": 31, "second": 3}
